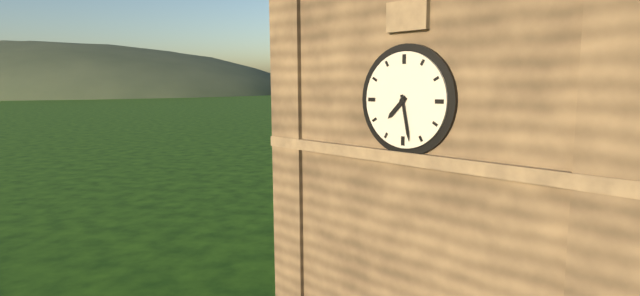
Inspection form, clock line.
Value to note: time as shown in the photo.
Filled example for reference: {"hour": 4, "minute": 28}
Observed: {"hour": 7, "minute": 28}
